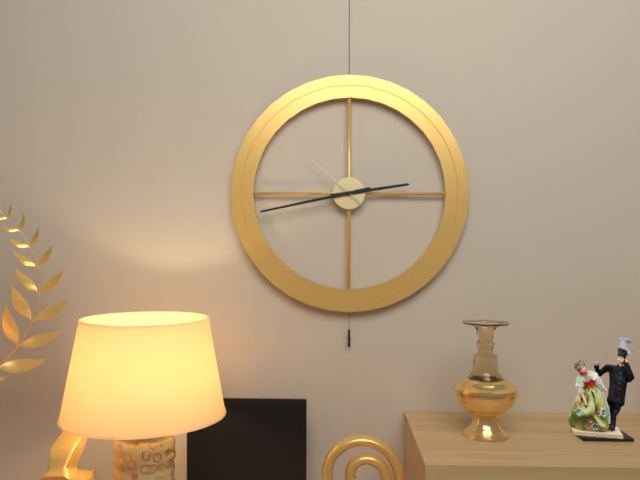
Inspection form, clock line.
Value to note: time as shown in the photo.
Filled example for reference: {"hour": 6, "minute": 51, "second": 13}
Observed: {"hour": 2, "minute": 43, "second": 52}
